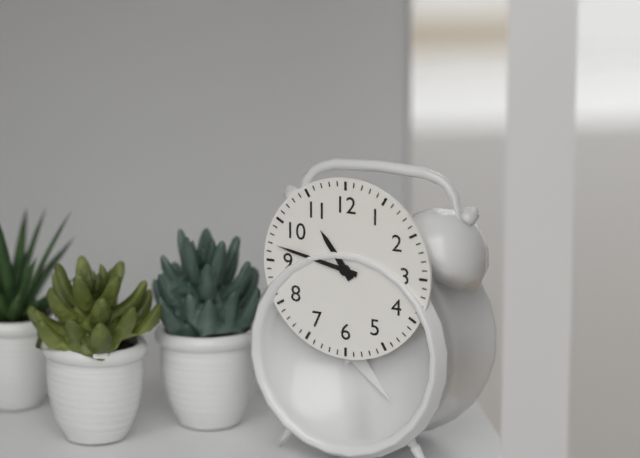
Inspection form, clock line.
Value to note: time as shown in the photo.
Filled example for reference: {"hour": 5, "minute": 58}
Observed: {"hour": 10, "minute": 47}
